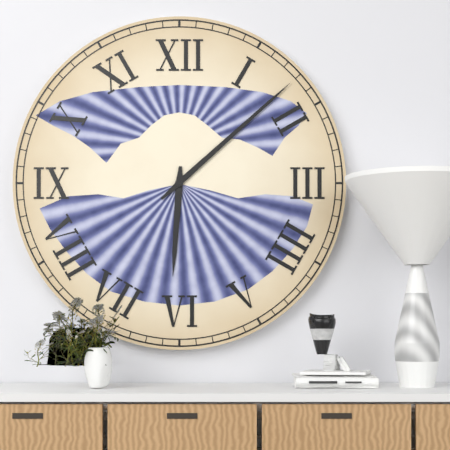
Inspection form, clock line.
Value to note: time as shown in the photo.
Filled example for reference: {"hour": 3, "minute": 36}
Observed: {"hour": 6, "minute": 8}
